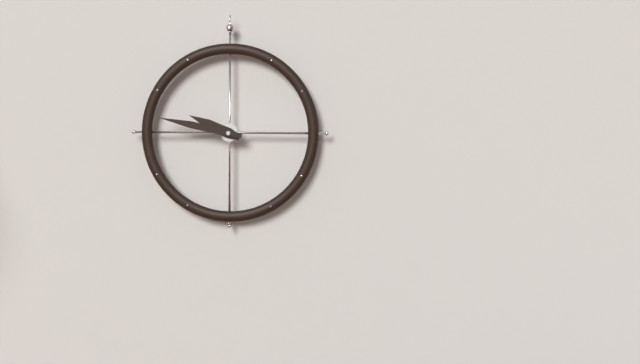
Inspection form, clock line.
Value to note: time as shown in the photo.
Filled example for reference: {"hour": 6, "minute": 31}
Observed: {"hour": 9, "minute": 47}
